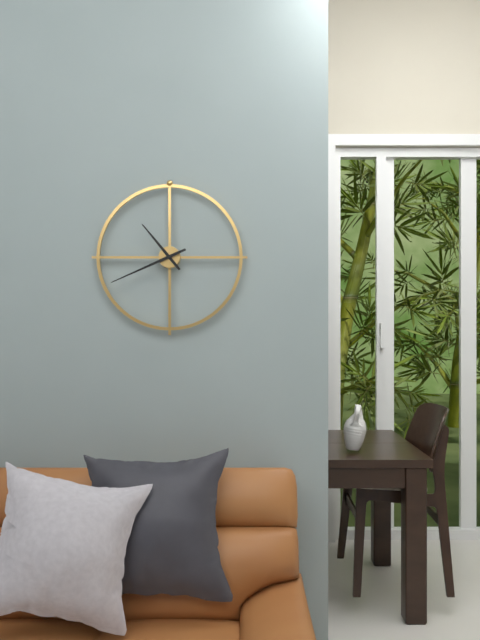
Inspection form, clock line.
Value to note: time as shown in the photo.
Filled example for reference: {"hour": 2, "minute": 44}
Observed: {"hour": 10, "minute": 41}
